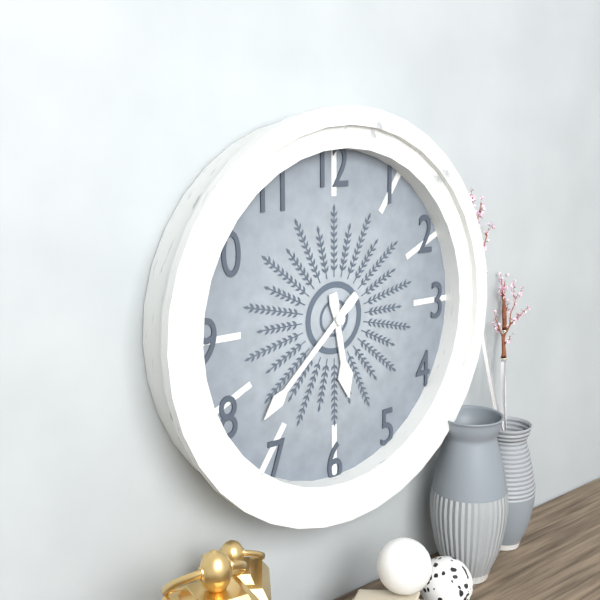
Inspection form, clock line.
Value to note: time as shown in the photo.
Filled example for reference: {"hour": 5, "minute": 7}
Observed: {"hour": 5, "minute": 38}
